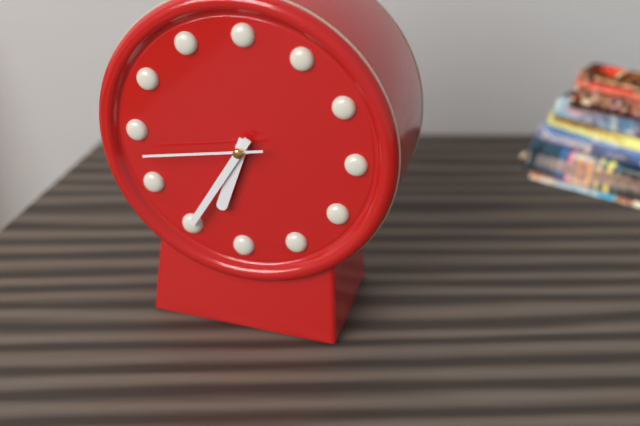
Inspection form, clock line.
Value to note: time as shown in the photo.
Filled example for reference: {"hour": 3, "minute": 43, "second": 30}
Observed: {"hour": 6, "minute": 35, "second": 43}
